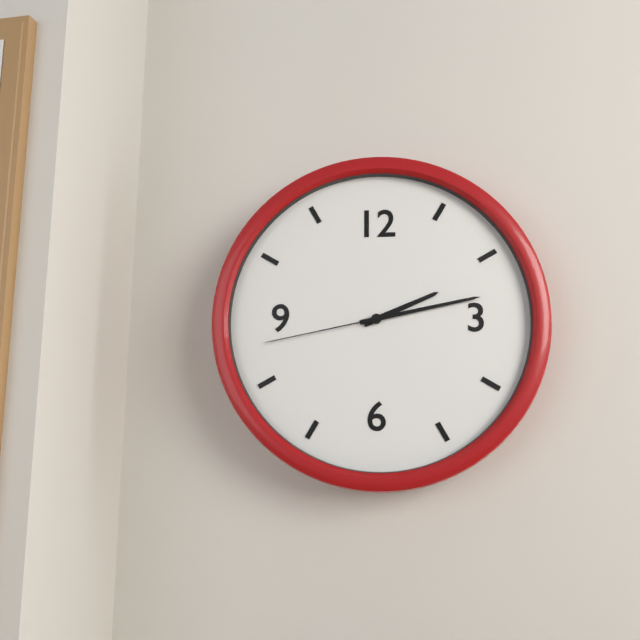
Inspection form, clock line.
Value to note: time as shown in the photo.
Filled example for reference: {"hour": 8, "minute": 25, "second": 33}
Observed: {"hour": 2, "minute": 13, "second": 43}
